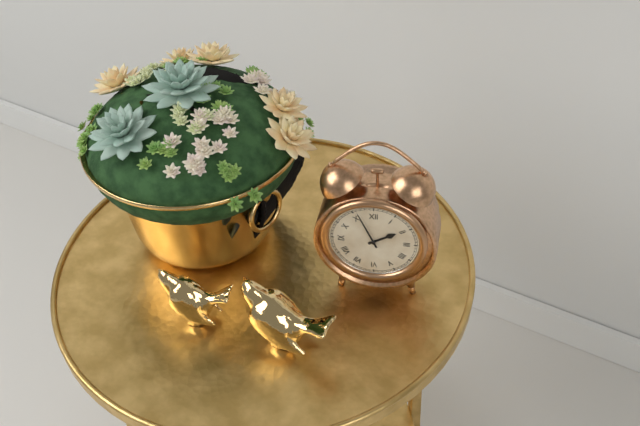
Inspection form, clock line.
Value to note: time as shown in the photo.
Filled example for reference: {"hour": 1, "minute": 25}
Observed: {"hour": 1, "minute": 56}
